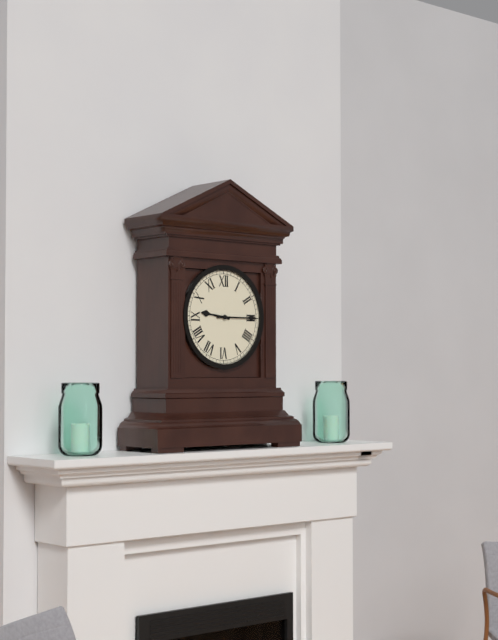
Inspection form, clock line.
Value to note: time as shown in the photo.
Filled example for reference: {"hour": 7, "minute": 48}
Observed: {"hour": 9, "minute": 15}
